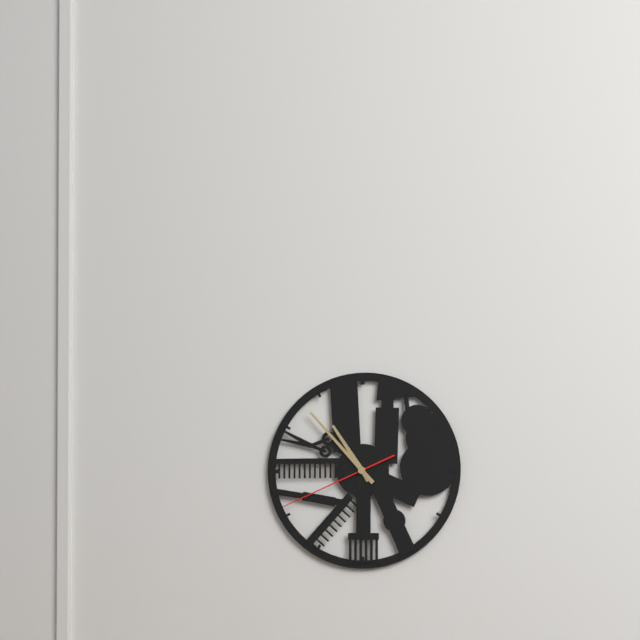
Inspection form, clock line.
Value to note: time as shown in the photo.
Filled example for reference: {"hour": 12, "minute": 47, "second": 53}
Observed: {"hour": 10, "minute": 53, "second": 41}
